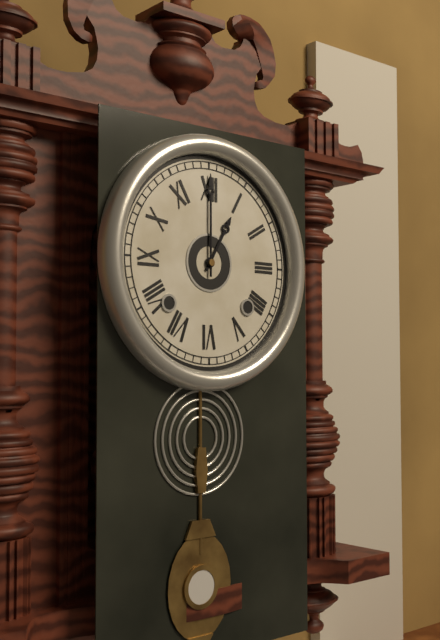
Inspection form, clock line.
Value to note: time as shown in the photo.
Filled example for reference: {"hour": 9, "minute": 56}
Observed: {"hour": 1, "minute": 0}
